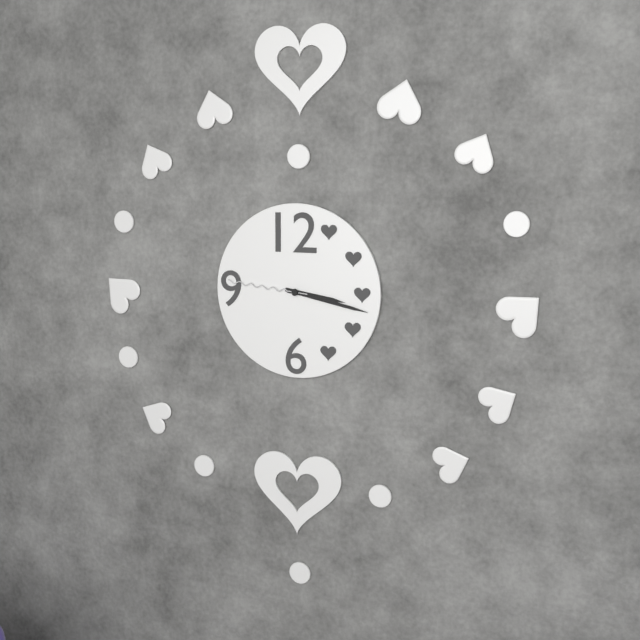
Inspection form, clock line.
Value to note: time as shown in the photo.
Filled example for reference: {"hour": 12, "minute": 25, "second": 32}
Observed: {"hour": 3, "minute": 17, "second": 46}
